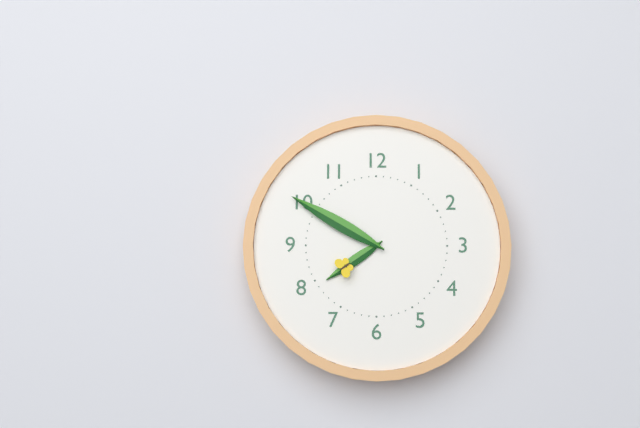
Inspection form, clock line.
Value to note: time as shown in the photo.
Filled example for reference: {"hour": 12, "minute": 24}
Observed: {"hour": 7, "minute": 50}
